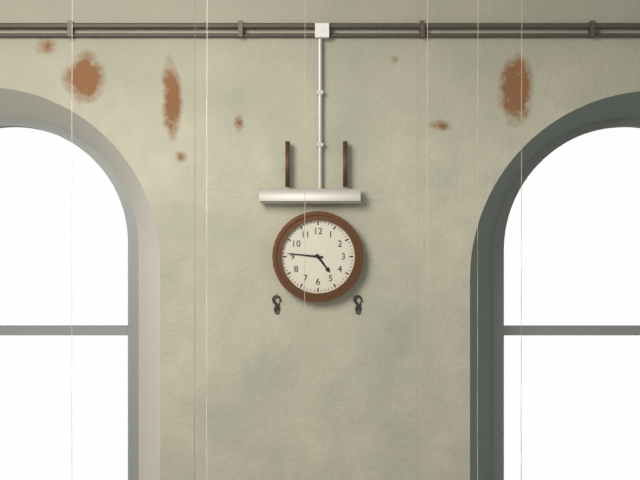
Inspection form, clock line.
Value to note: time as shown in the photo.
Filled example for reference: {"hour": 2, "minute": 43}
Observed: {"hour": 4, "minute": 46}
